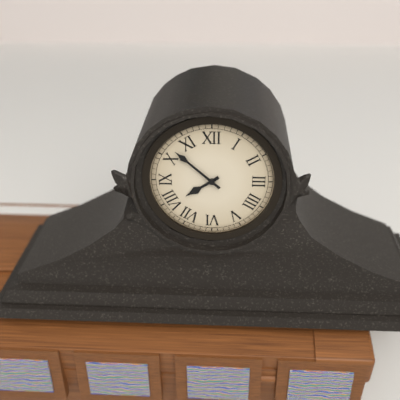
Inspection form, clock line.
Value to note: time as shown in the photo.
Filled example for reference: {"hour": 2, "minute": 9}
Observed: {"hour": 7, "minute": 52}
